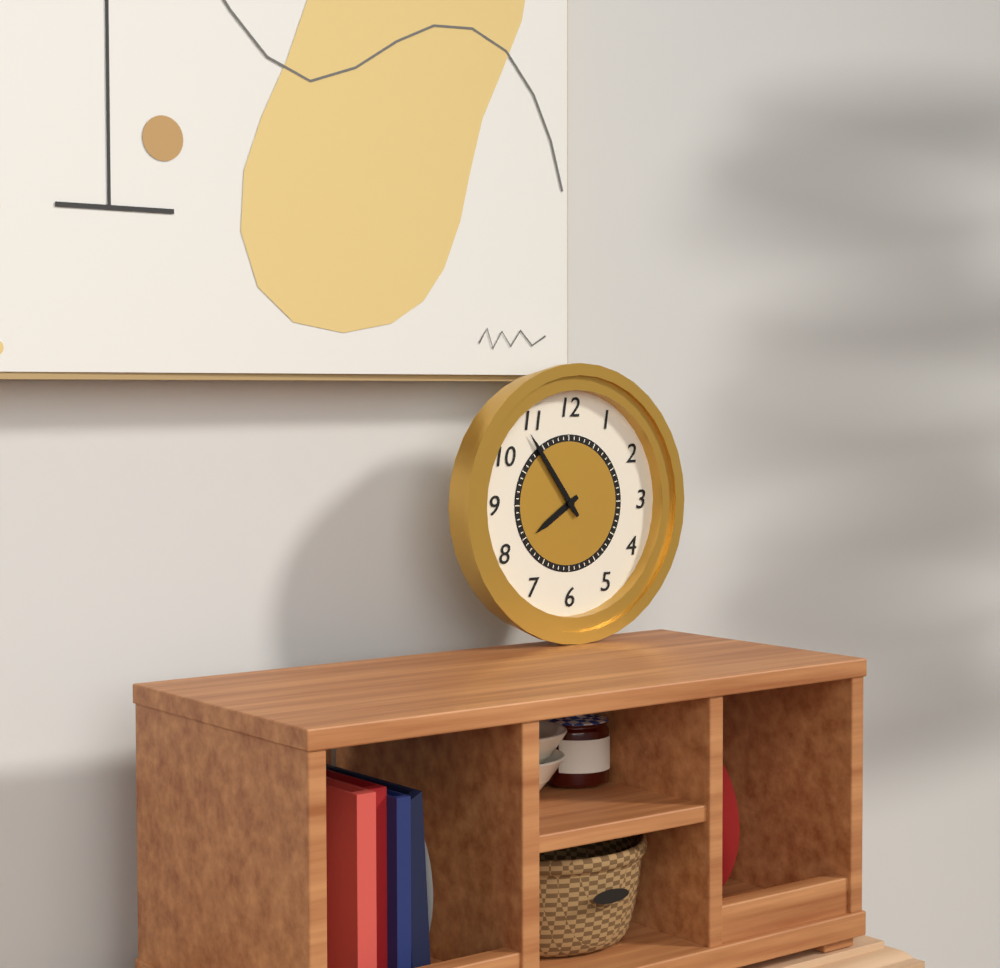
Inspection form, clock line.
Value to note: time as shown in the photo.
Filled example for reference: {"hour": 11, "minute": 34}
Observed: {"hour": 7, "minute": 54}
